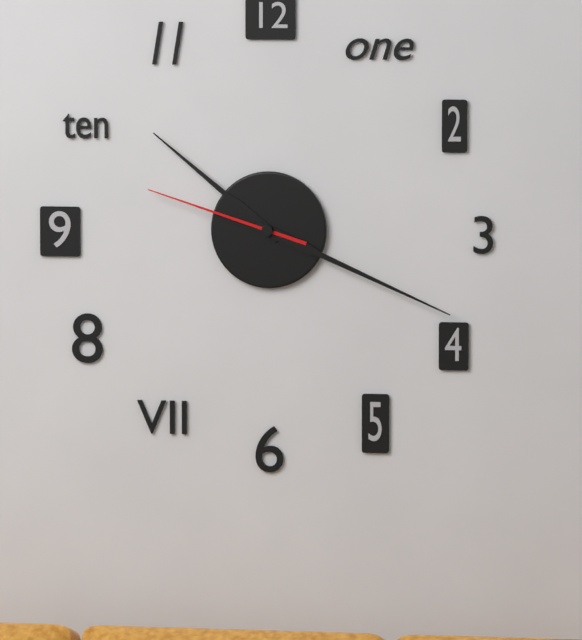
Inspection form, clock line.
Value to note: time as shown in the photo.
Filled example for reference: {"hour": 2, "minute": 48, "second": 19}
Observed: {"hour": 10, "minute": 19, "second": 48}
